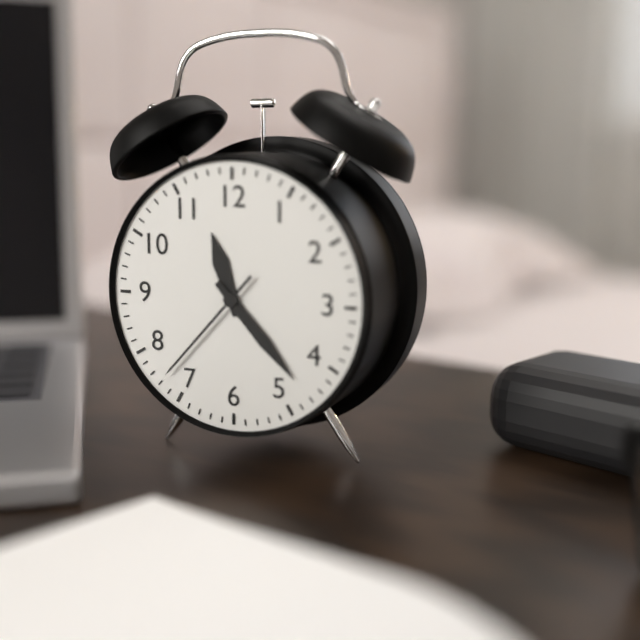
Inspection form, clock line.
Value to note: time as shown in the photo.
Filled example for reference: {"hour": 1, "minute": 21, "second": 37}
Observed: {"hour": 11, "minute": 23, "second": 37}
